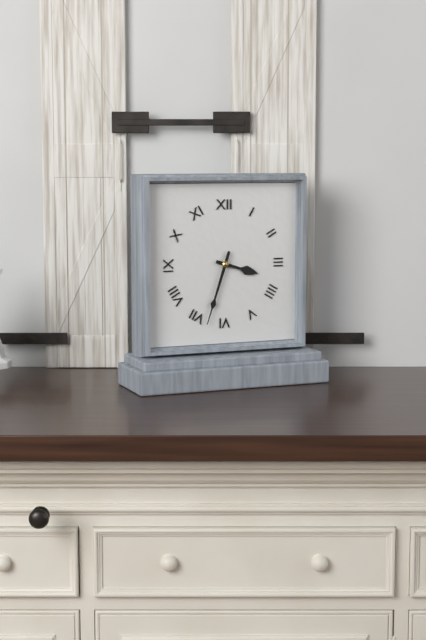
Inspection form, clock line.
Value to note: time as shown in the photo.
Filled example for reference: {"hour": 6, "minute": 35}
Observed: {"hour": 3, "minute": 33}
